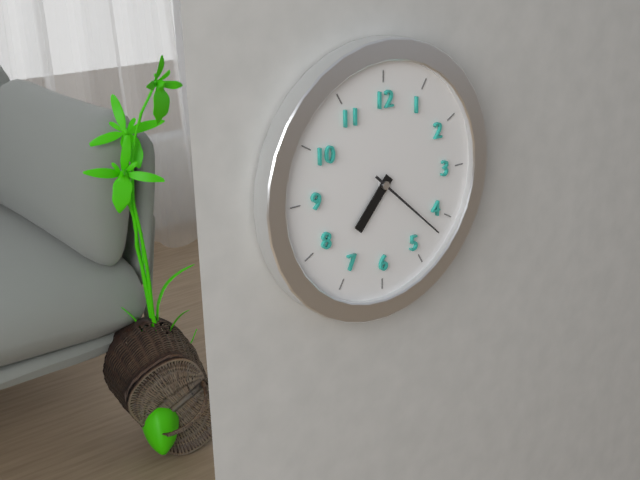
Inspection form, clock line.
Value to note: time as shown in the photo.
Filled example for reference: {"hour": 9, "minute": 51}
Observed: {"hour": 7, "minute": 22}
